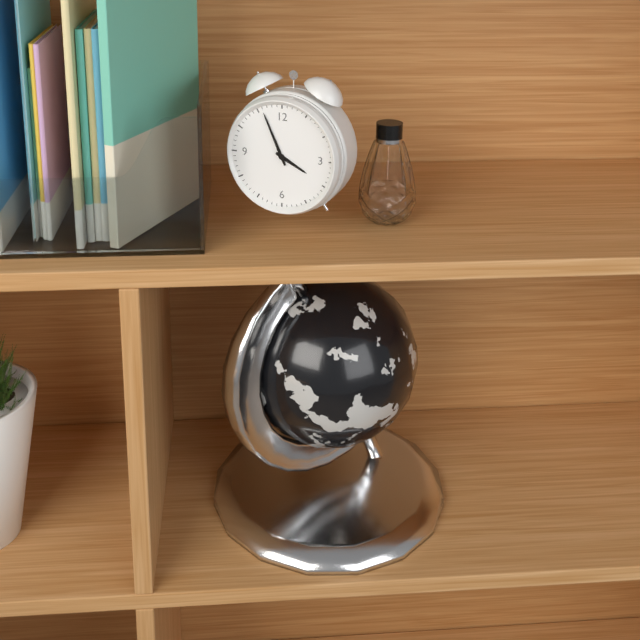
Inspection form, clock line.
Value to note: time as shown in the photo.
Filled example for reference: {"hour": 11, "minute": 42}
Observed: {"hour": 3, "minute": 56}
